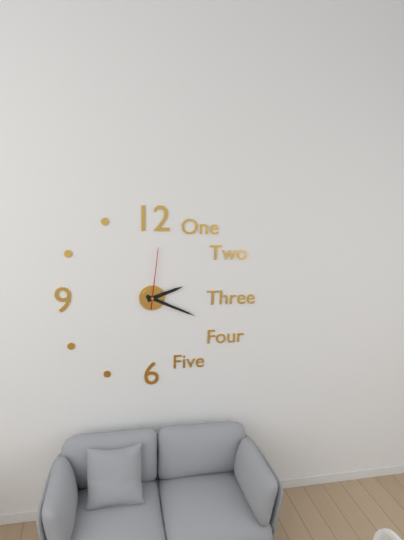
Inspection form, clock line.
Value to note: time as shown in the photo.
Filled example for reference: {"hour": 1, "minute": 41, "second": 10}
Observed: {"hour": 2, "minute": 19, "second": 1}
